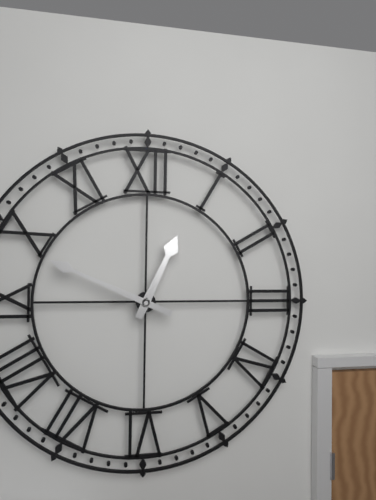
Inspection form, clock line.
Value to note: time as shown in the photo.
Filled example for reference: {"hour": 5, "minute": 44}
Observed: {"hour": 12, "minute": 49}
